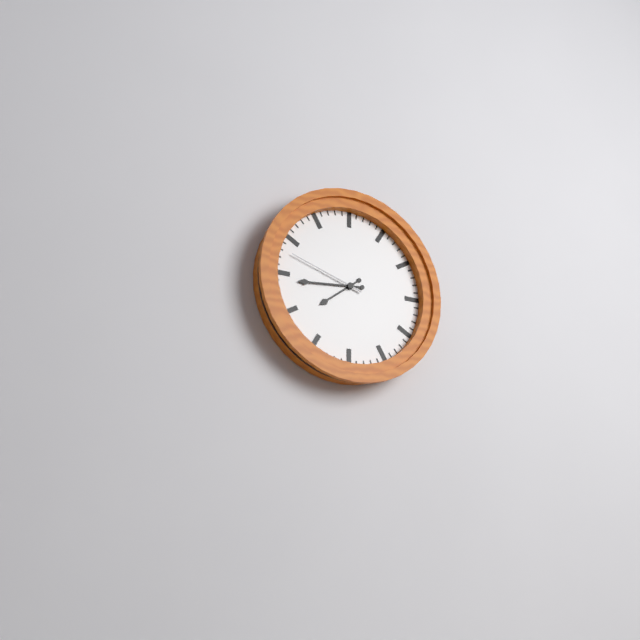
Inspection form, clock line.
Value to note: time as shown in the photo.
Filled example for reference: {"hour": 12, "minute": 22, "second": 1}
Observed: {"hour": 7, "minute": 44, "second": 48}
